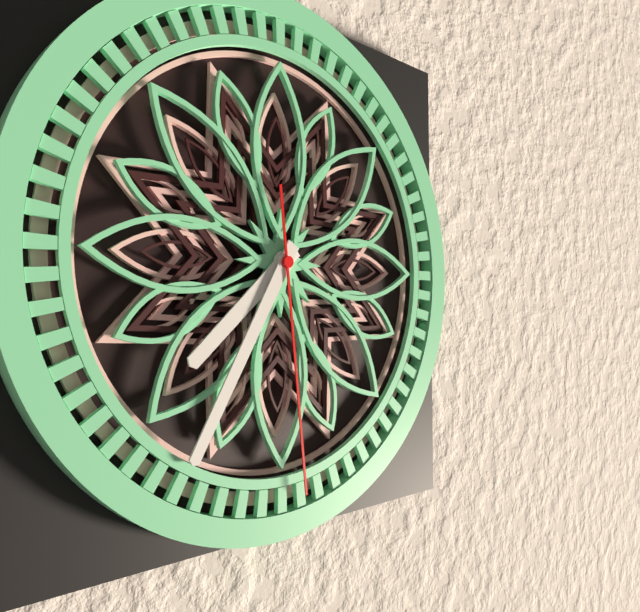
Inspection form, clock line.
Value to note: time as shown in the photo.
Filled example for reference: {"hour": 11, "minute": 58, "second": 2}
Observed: {"hour": 7, "minute": 35, "second": 29}
